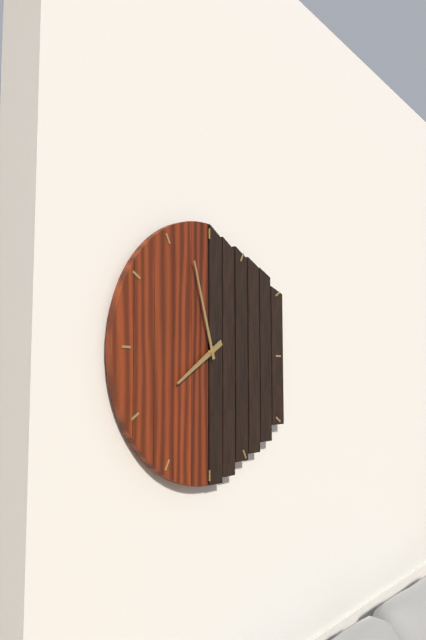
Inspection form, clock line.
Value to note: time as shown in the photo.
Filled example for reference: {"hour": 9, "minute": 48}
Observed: {"hour": 7, "minute": 57}
